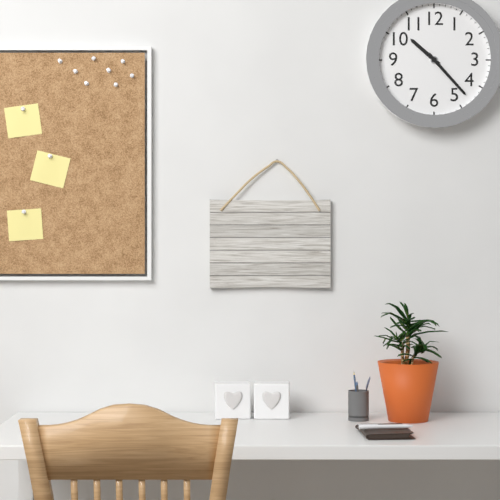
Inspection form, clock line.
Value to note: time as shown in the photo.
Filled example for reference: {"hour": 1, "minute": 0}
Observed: {"hour": 10, "minute": 23}
